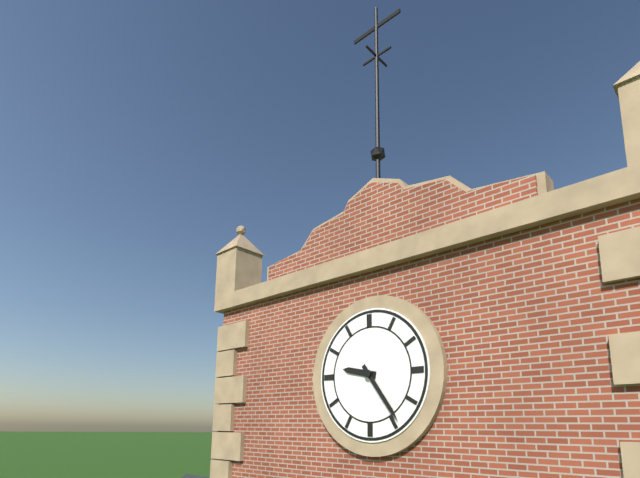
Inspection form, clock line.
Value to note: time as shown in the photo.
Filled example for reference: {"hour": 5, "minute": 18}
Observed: {"hour": 9, "minute": 24}
